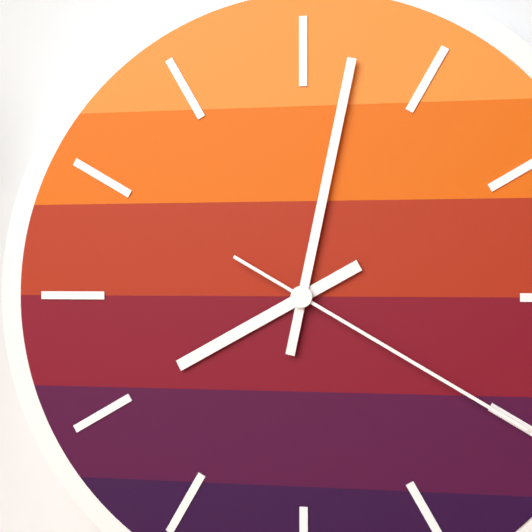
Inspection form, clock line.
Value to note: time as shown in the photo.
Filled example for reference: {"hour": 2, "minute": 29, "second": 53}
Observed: {"hour": 8, "minute": 2, "second": 20}
